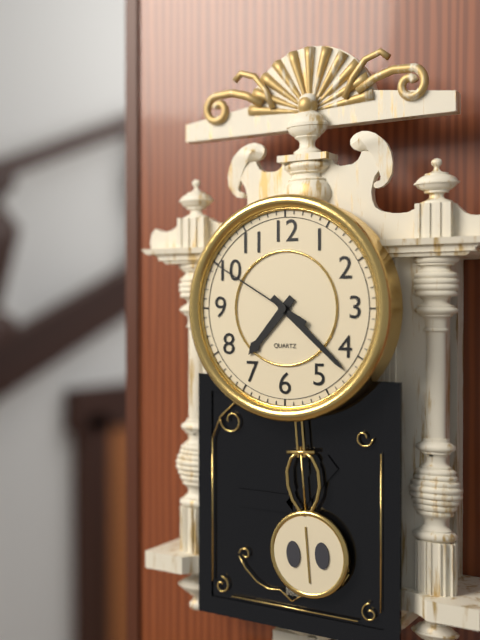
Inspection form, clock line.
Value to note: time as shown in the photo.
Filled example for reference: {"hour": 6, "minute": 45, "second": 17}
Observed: {"hour": 7, "minute": 22, "second": 50}
